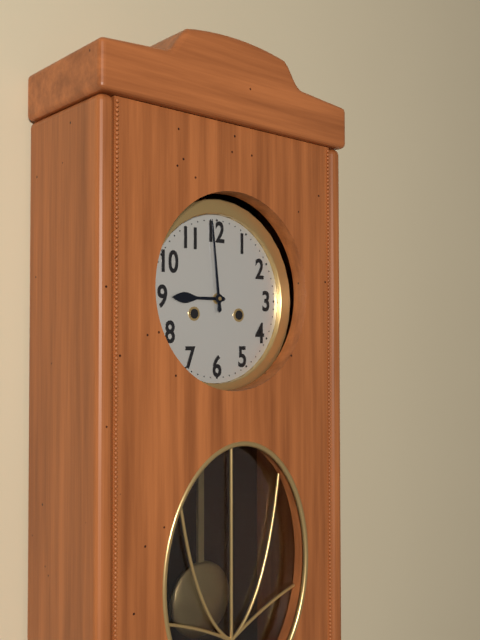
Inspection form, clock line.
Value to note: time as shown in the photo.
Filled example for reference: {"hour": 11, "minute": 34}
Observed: {"hour": 8, "minute": 59}
